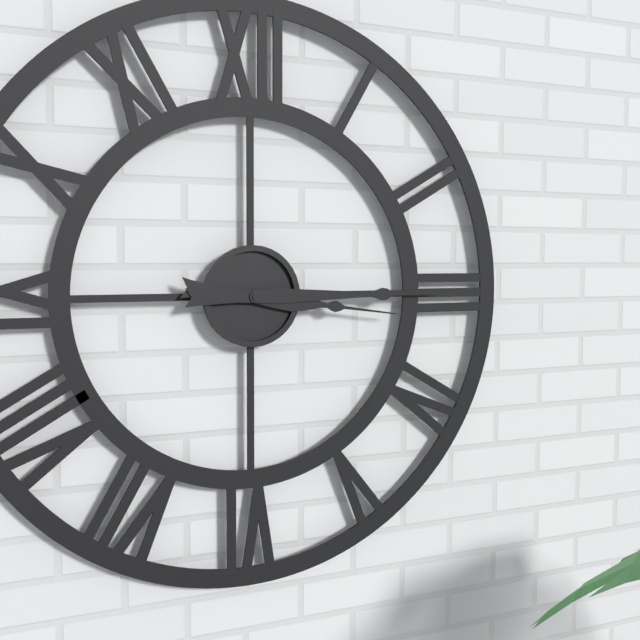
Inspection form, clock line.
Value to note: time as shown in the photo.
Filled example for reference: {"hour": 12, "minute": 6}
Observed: {"hour": 3, "minute": 15}
